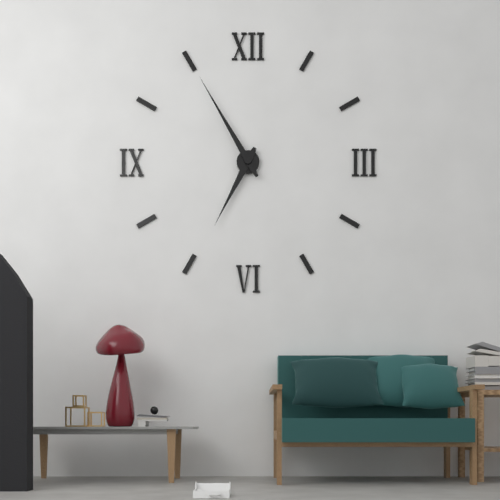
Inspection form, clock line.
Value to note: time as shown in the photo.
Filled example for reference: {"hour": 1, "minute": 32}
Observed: {"hour": 6, "minute": 55}
